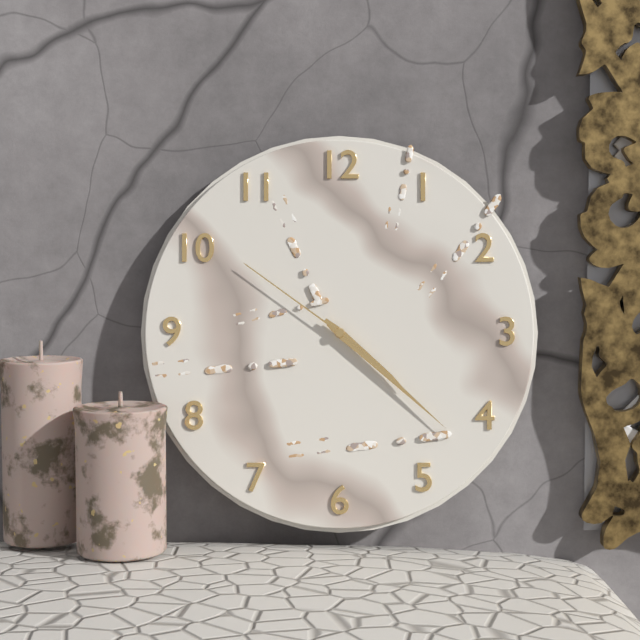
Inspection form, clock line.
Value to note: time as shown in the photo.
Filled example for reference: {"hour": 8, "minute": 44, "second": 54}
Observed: {"hour": 4, "minute": 22, "second": 51}
